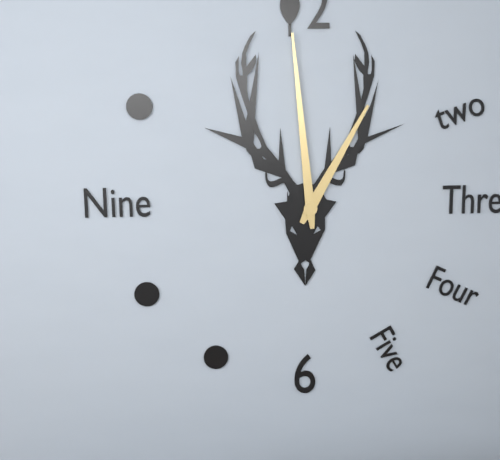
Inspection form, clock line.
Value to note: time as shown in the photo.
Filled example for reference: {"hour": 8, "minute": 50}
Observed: {"hour": 12, "minute": 59}
